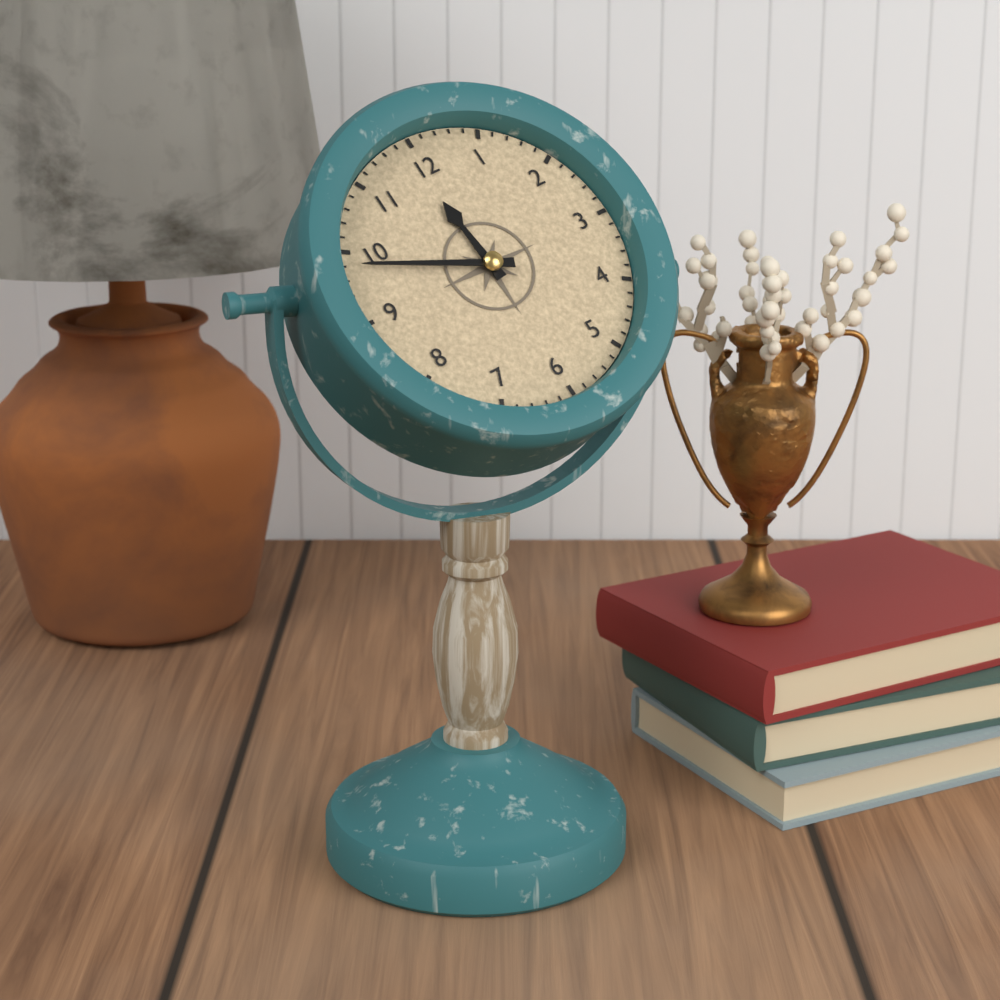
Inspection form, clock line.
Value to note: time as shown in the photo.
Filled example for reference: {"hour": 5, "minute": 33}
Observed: {"hour": 11, "minute": 49}
